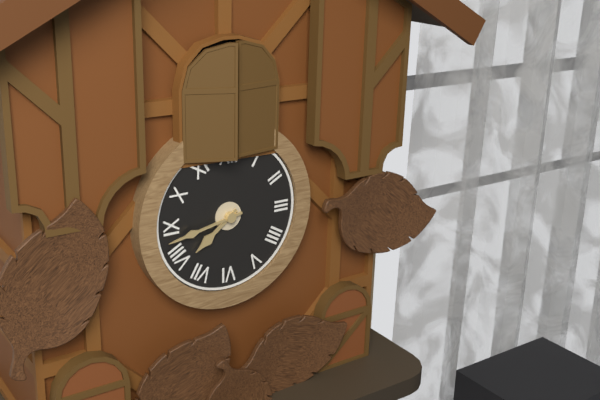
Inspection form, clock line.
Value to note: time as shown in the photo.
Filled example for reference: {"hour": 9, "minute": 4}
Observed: {"hour": 7, "minute": 43}
